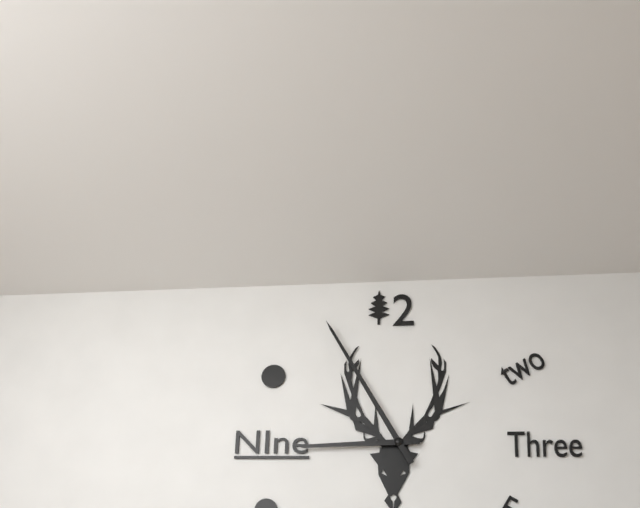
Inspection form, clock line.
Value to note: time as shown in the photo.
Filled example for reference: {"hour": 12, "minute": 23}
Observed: {"hour": 8, "minute": 55}
